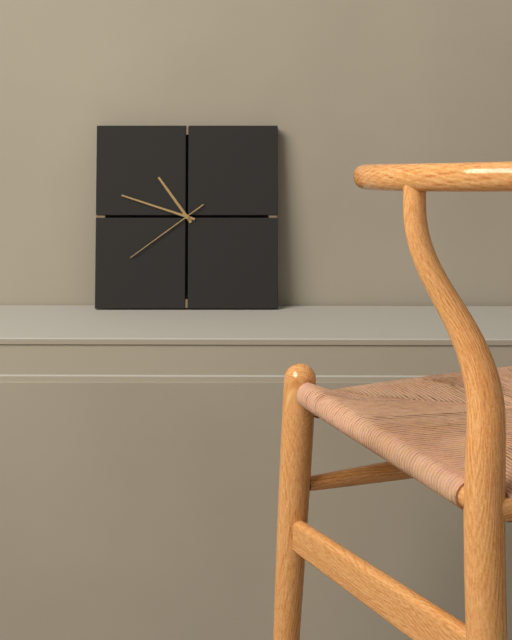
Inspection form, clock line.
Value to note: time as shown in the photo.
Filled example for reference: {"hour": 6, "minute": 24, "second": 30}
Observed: {"hour": 10, "minute": 48, "second": 39}
